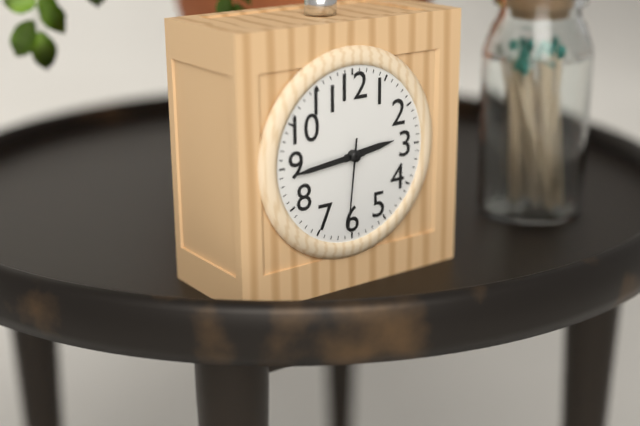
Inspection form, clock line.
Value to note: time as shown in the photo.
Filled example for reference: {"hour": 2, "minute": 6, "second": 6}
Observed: {"hour": 2, "minute": 44, "second": 31}
